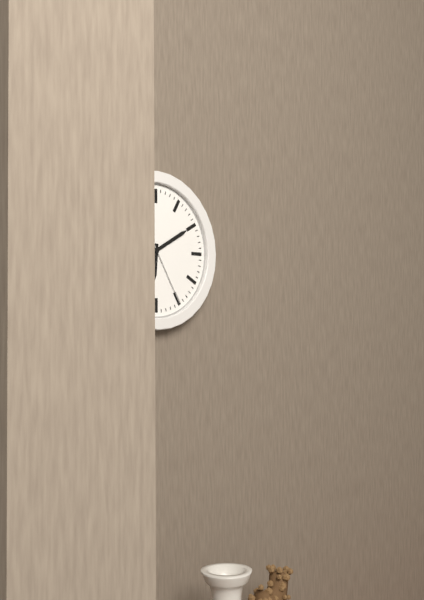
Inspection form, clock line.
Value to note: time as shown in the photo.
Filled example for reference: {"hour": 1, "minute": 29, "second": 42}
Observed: {"hour": 6, "minute": 10, "second": 25}
